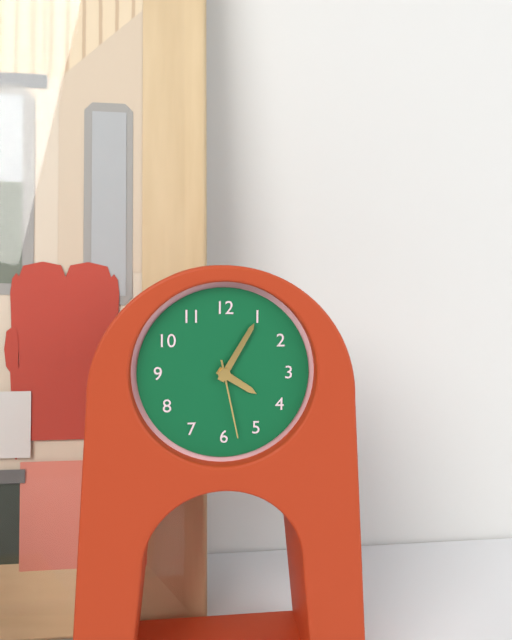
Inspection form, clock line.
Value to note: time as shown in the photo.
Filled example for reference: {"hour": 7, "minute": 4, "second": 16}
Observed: {"hour": 4, "minute": 5, "second": 28}
